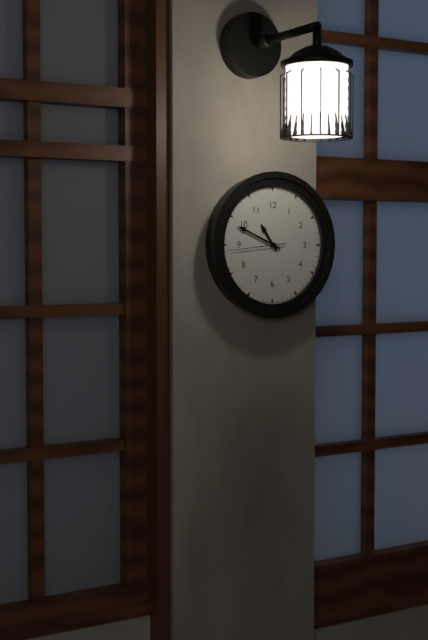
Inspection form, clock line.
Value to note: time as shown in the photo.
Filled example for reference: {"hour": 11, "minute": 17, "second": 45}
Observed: {"hour": 10, "minute": 49, "second": 44}
